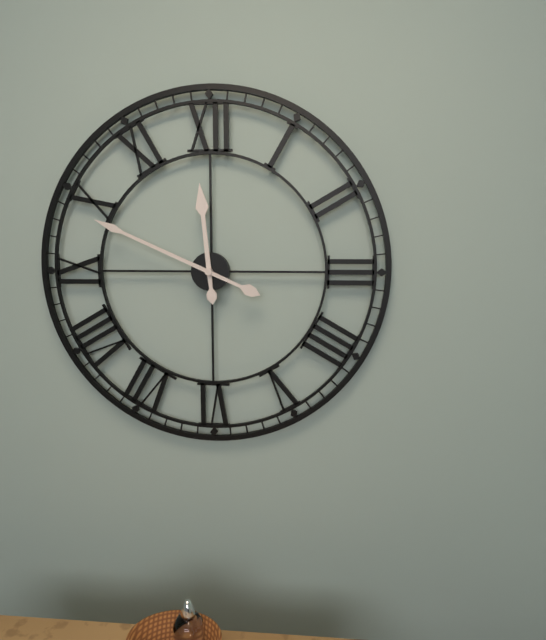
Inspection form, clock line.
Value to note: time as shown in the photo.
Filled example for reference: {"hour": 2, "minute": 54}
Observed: {"hour": 11, "minute": 49}
